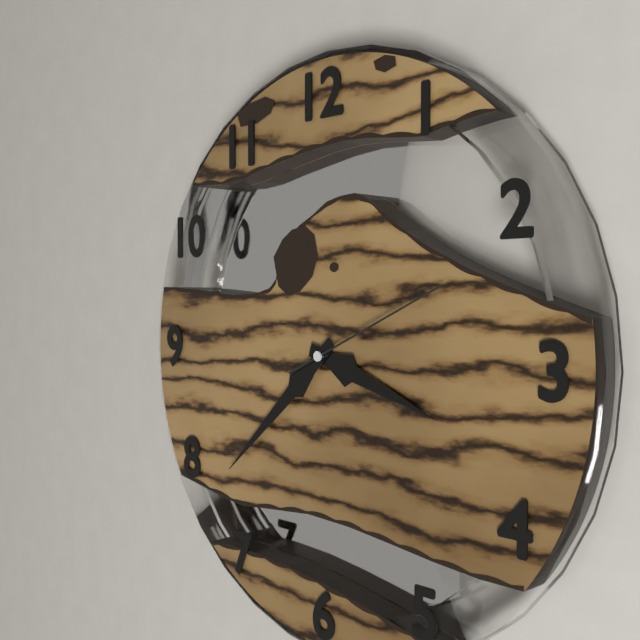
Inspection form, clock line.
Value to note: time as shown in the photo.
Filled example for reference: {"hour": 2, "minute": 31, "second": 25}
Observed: {"hour": 3, "minute": 38, "second": 11}
